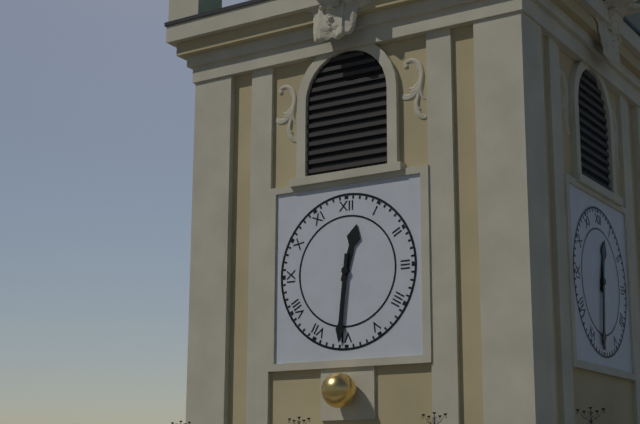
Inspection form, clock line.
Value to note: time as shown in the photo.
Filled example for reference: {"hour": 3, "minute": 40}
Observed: {"hour": 12, "minute": 31}
